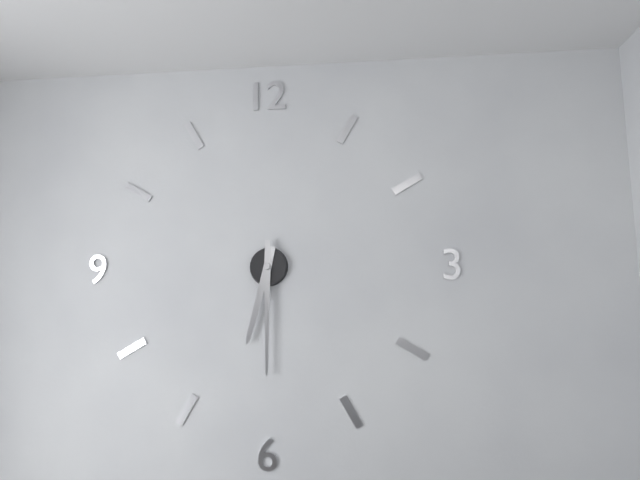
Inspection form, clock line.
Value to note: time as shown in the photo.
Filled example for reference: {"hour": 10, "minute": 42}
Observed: {"hour": 6, "minute": 30}
